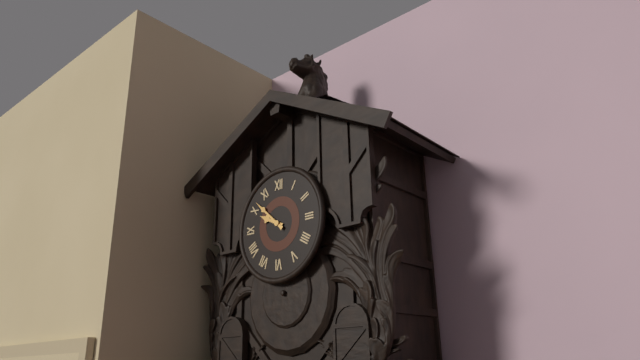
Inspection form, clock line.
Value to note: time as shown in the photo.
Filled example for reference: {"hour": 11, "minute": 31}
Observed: {"hour": 9, "minute": 52}
